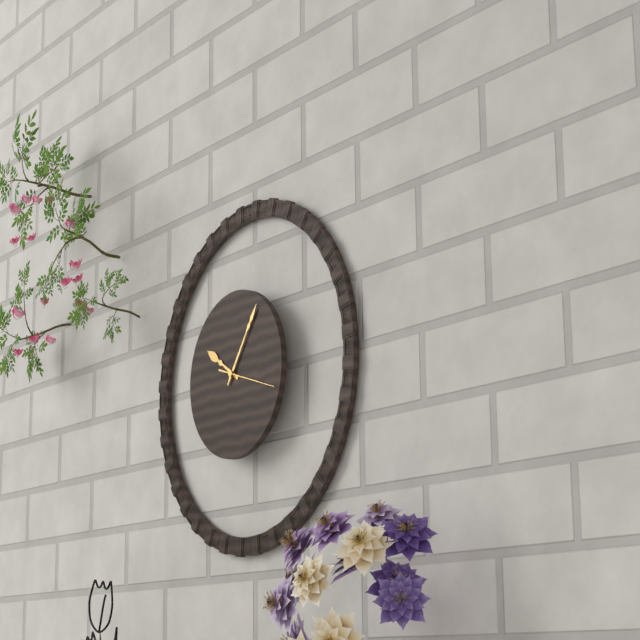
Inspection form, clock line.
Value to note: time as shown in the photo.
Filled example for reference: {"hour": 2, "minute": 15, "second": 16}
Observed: {"hour": 10, "minute": 6, "second": 18}
